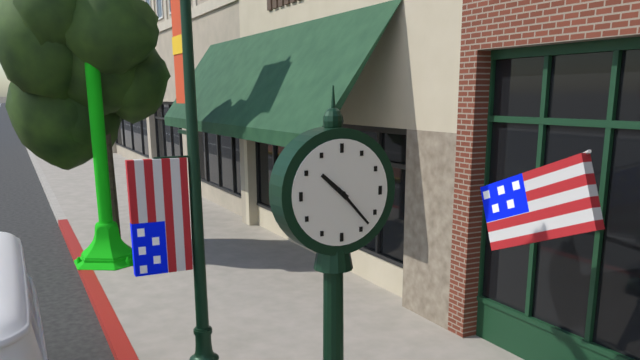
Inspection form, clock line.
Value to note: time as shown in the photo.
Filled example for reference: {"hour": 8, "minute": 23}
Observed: {"hour": 10, "minute": 23}
